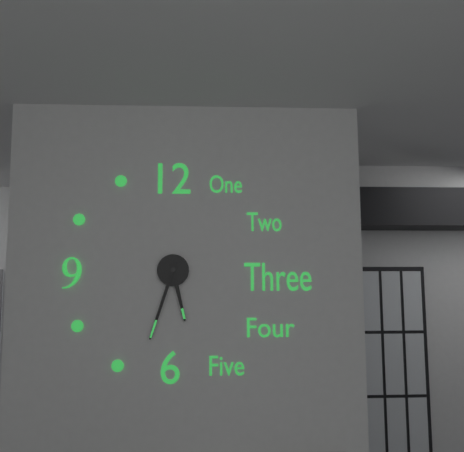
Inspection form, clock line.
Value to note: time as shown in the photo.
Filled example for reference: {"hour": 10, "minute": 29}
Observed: {"hour": 5, "minute": 33}
